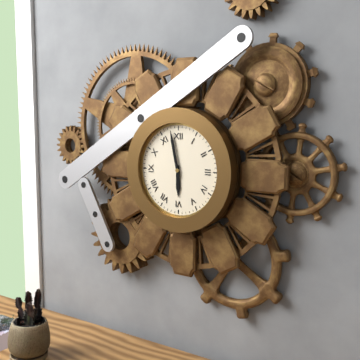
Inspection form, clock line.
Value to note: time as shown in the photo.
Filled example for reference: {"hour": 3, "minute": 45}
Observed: {"hour": 5, "minute": 58}
